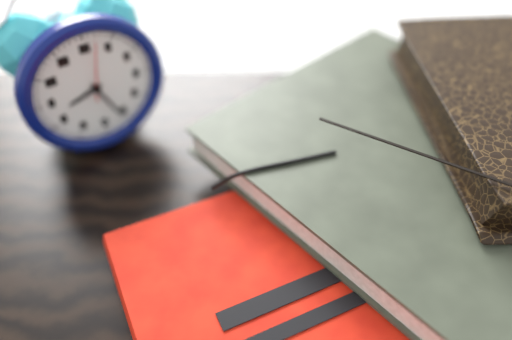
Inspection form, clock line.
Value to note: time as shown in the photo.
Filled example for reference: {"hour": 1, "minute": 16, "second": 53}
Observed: {"hour": 8, "minute": 26, "second": 2}
